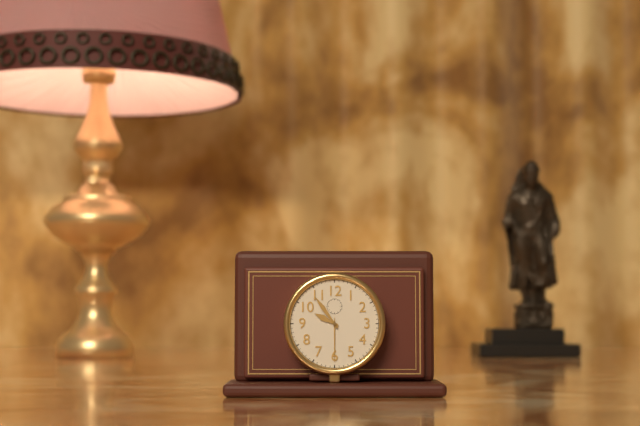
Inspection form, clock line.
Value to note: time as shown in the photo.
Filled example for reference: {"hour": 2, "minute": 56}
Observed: {"hour": 9, "minute": 54}
